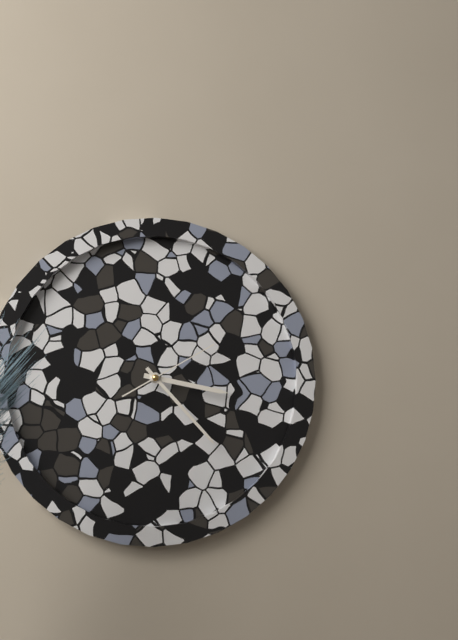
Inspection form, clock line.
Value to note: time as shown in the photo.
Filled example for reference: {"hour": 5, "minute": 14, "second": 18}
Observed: {"hour": 3, "minute": 23, "second": 10}
